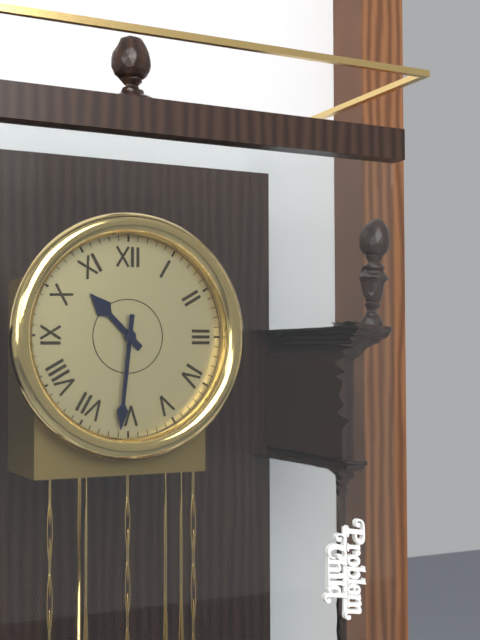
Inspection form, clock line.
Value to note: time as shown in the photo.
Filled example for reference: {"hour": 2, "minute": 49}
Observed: {"hour": 10, "minute": 31}
